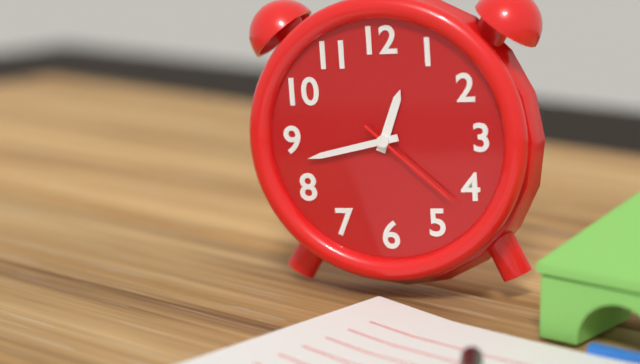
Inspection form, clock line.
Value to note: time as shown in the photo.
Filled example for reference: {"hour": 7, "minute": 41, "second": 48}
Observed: {"hour": 12, "minute": 43, "second": 22}
